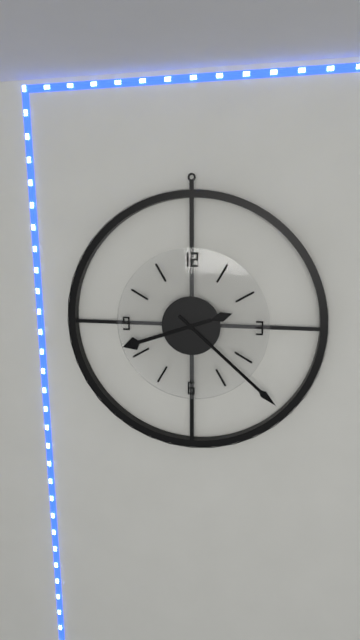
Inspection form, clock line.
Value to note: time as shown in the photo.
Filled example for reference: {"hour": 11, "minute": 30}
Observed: {"hour": 8, "minute": 22}
